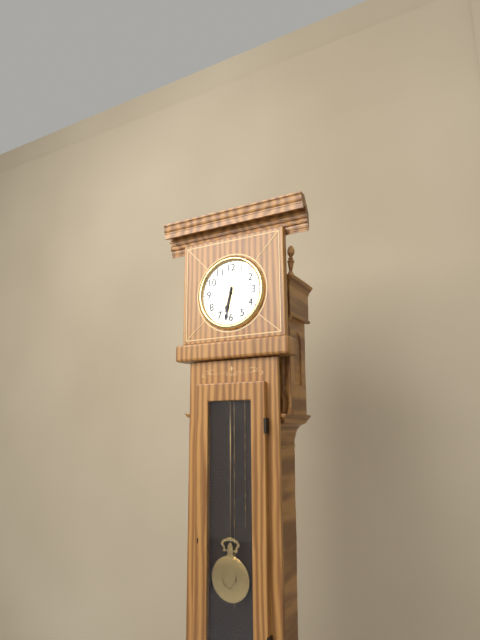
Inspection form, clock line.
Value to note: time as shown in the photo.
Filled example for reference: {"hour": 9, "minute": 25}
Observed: {"hour": 6, "minute": 32}
